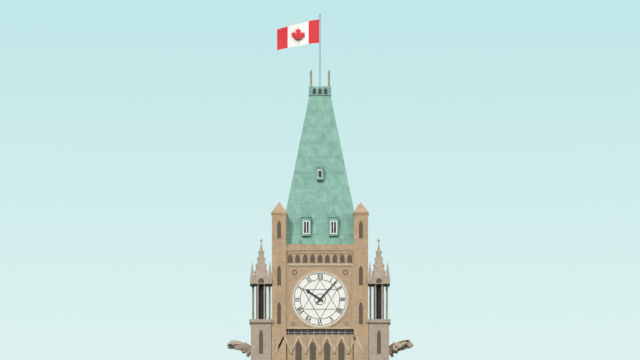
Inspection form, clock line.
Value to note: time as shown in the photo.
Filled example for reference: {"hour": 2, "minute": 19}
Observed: {"hour": 10, "minute": 7}
